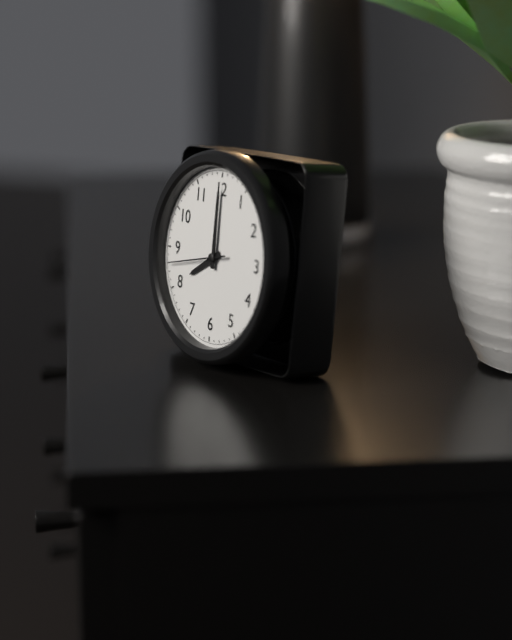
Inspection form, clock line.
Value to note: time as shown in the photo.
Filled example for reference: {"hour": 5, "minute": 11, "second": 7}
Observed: {"hour": 8, "minute": 0, "second": 43}
